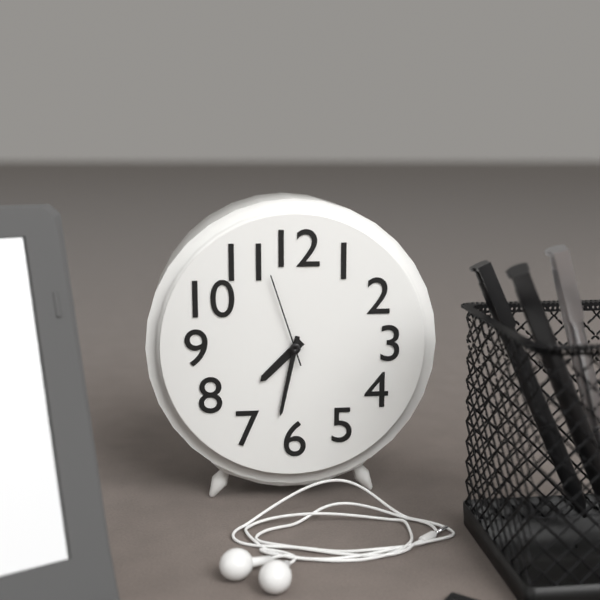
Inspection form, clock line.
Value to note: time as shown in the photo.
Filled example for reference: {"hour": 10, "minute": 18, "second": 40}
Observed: {"hour": 7, "minute": 32, "second": 57}
